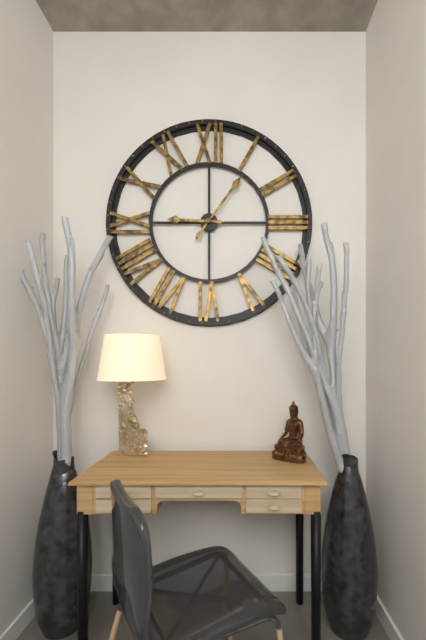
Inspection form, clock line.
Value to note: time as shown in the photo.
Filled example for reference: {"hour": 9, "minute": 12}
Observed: {"hour": 9, "minute": 6}
